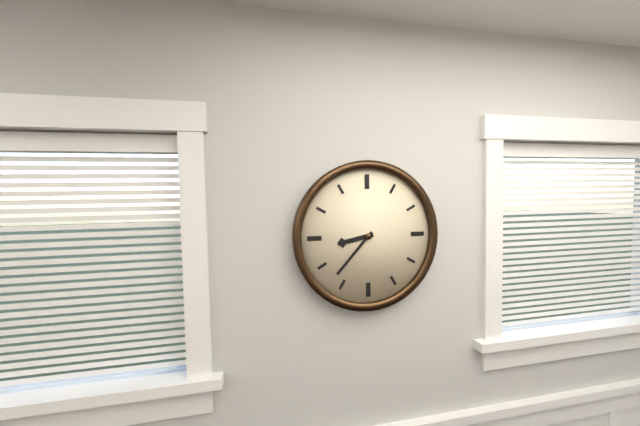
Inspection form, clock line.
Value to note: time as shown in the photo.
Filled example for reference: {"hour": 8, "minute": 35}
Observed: {"hour": 8, "minute": 37}
